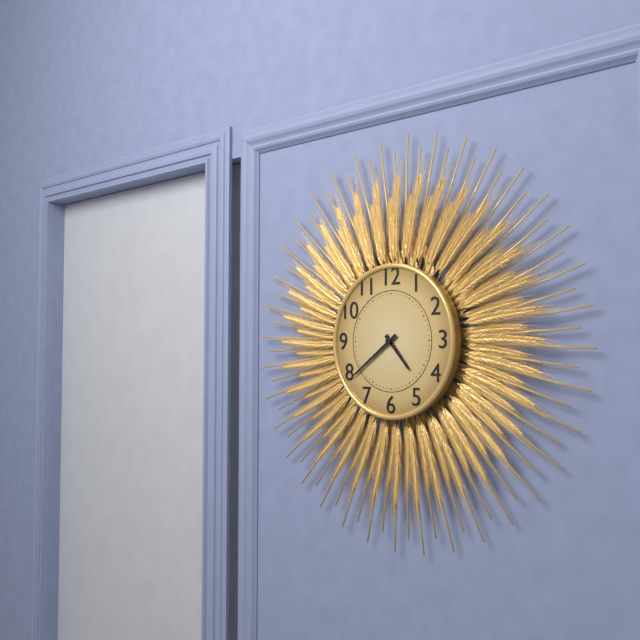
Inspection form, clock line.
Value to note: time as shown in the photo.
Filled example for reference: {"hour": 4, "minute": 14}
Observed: {"hour": 4, "minute": 39}
